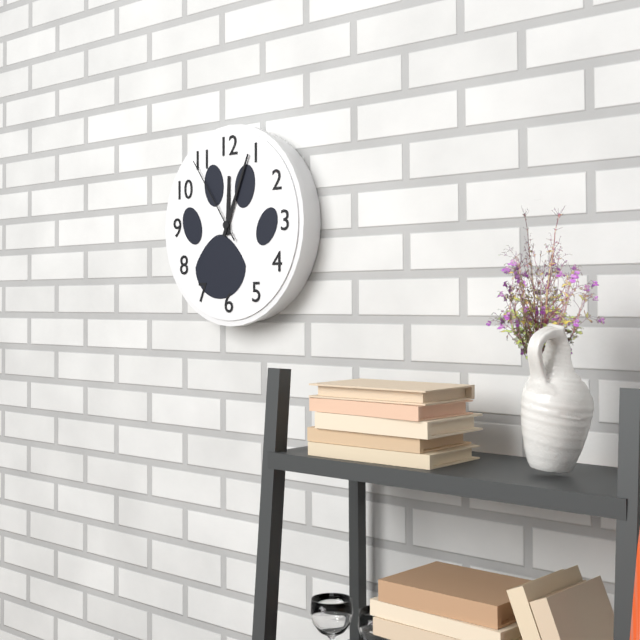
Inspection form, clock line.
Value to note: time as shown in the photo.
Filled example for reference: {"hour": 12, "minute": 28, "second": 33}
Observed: {"hour": 12, "minute": 4, "second": 54}
